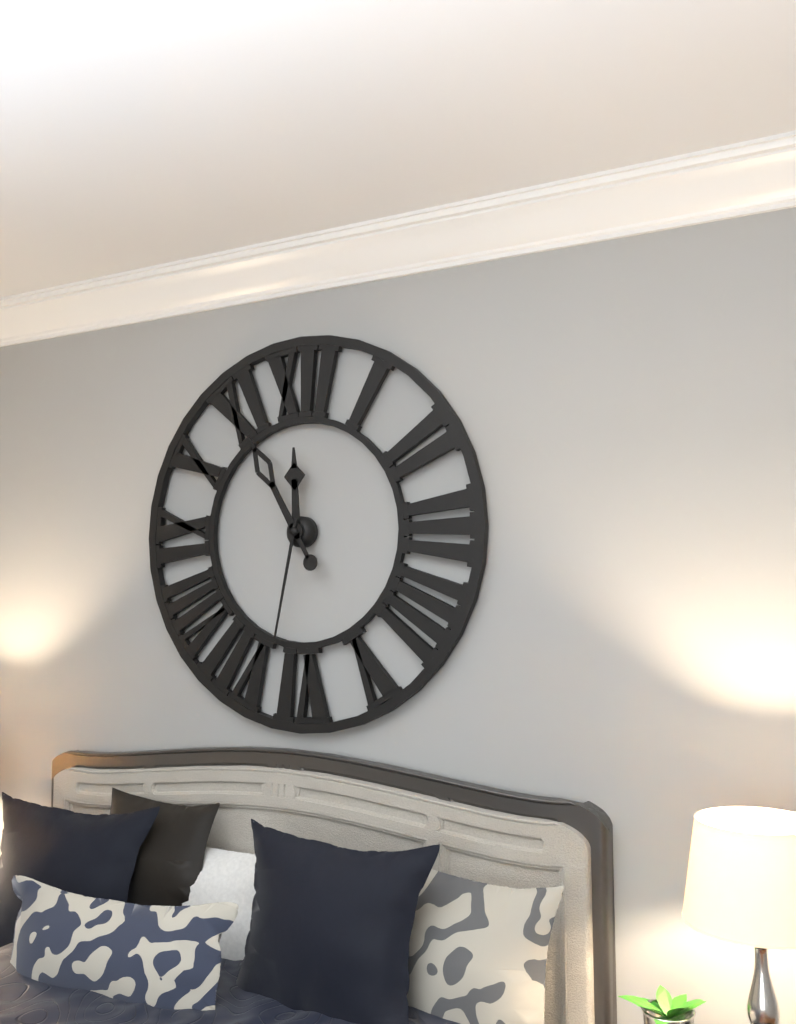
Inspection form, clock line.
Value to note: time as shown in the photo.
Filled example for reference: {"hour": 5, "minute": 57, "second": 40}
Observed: {"hour": 11, "minute": 55, "second": 32}
